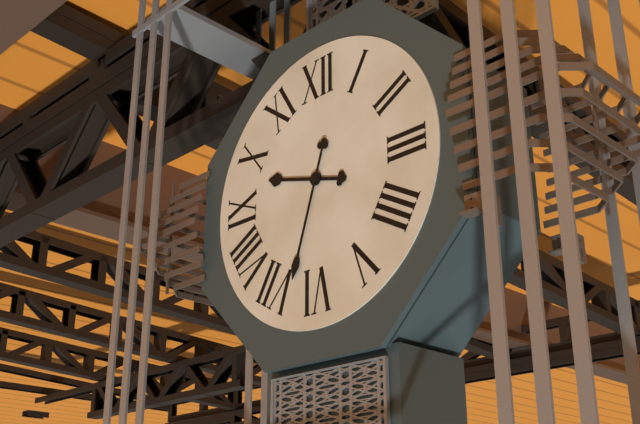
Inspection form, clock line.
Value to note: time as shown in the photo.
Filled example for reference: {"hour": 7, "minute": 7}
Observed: {"hour": 9, "minute": 33}
